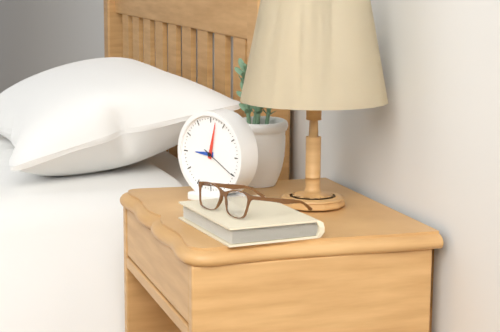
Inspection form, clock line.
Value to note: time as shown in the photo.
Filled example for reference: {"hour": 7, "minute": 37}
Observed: {"hour": 9, "minute": 2}
